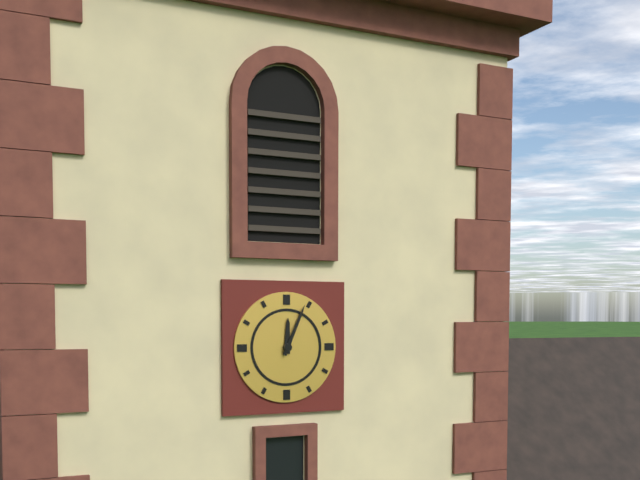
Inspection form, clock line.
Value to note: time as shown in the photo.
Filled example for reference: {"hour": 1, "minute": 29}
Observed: {"hour": 12, "minute": 4}
